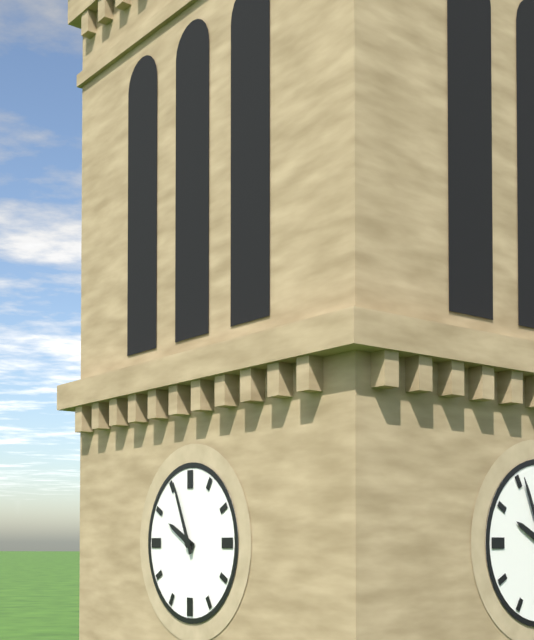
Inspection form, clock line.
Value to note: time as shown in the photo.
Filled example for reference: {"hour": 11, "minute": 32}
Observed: {"hour": 9, "minute": 56}
